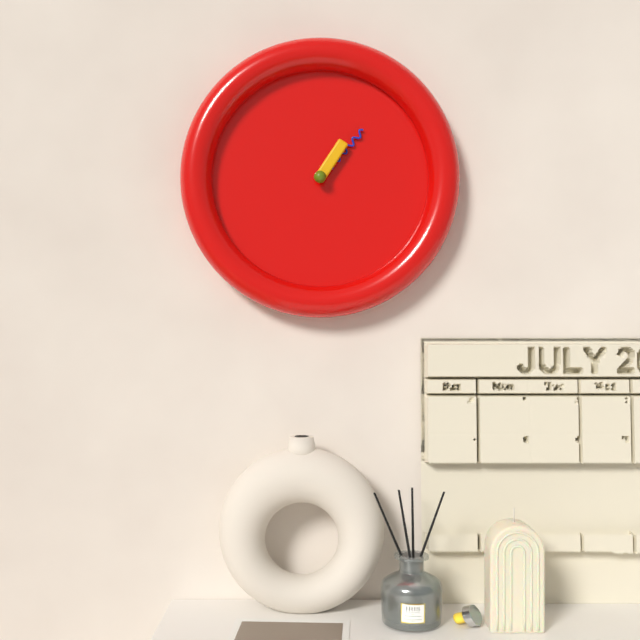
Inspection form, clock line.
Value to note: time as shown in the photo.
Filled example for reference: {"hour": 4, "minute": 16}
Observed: {"hour": 1, "minute": 7}
